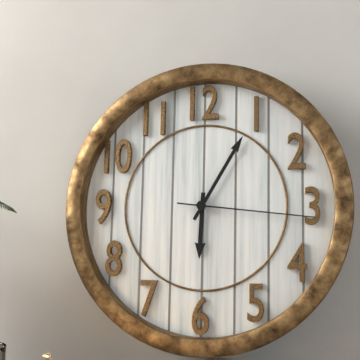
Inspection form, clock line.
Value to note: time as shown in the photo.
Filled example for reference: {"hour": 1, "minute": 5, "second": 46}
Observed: {"hour": 6, "minute": 5, "second": 16}
